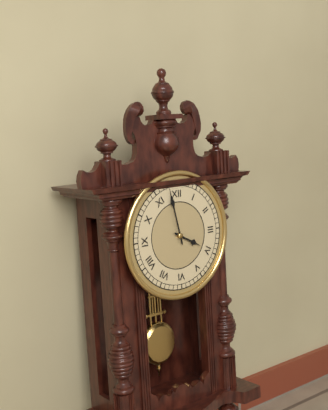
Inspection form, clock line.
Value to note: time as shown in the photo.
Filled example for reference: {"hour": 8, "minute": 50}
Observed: {"hour": 3, "minute": 58}
